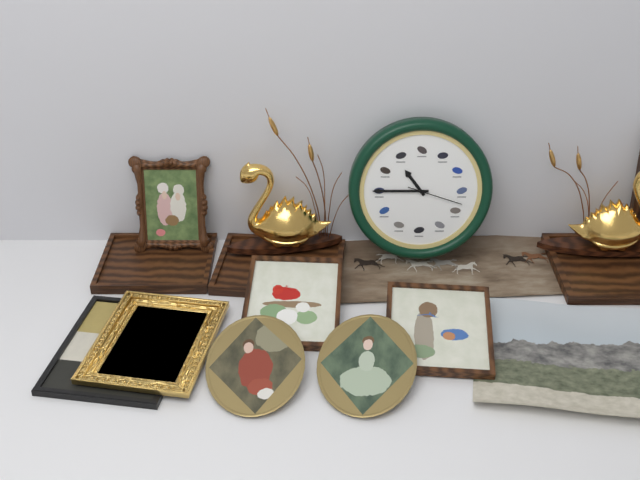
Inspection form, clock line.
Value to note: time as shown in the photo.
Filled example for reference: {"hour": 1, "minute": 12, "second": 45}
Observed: {"hour": 10, "minute": 45, "second": 18}
